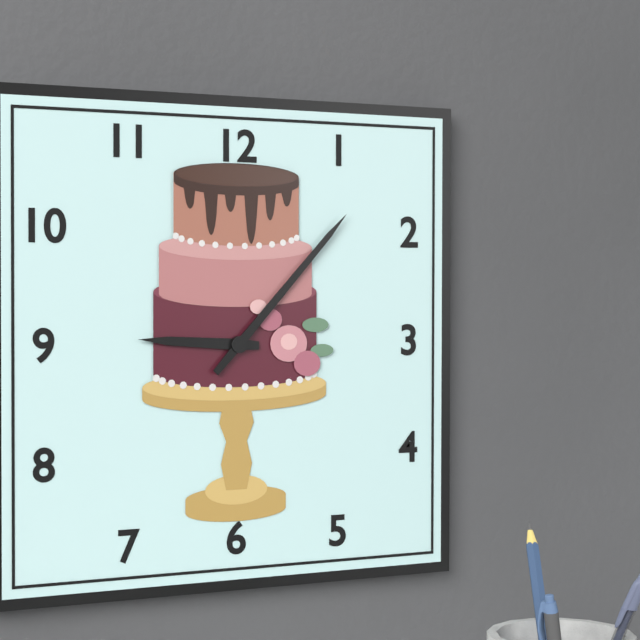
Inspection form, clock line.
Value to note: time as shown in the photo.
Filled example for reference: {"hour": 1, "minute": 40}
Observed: {"hour": 9, "minute": 7}
